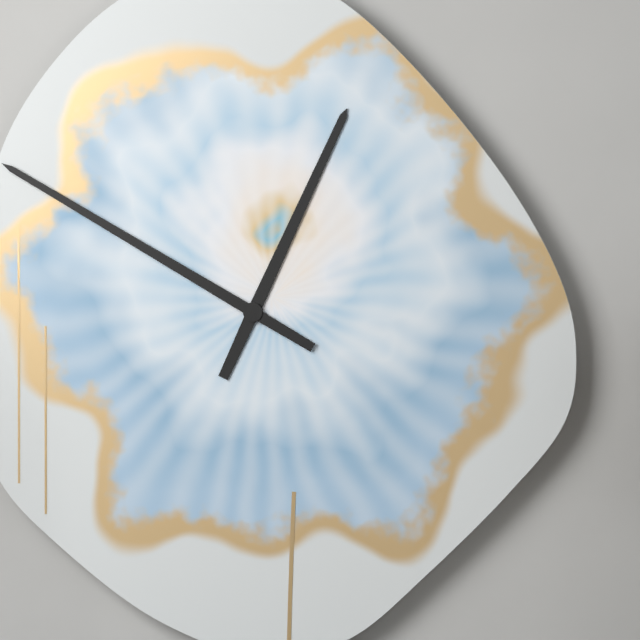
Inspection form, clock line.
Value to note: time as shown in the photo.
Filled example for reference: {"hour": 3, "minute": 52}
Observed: {"hour": 12, "minute": 50}
